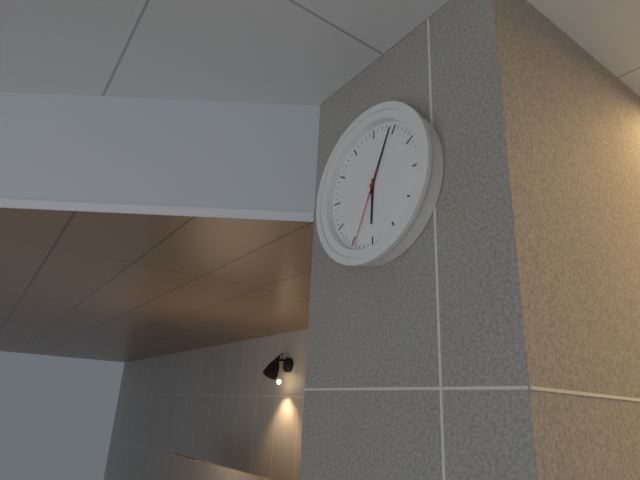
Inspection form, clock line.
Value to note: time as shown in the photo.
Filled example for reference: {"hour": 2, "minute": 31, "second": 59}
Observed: {"hour": 6, "minute": 4, "second": 34}
